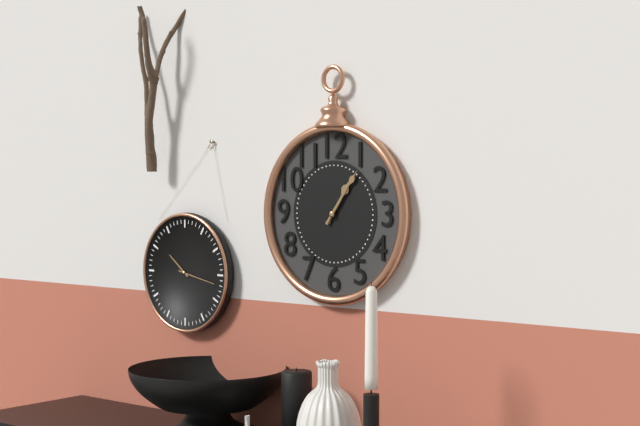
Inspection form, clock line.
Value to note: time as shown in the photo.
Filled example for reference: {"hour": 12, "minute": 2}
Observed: {"hour": 1, "minute": 6}
